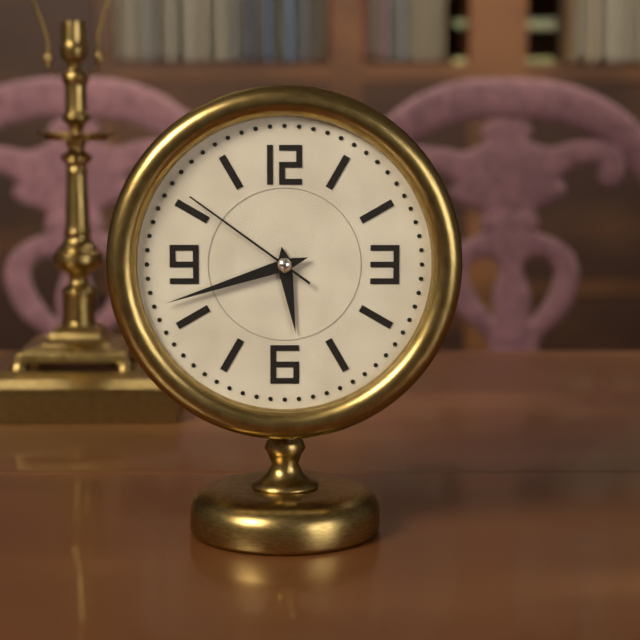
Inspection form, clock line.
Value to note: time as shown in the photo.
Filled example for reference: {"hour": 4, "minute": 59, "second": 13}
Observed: {"hour": 5, "minute": 42, "second": 51}
